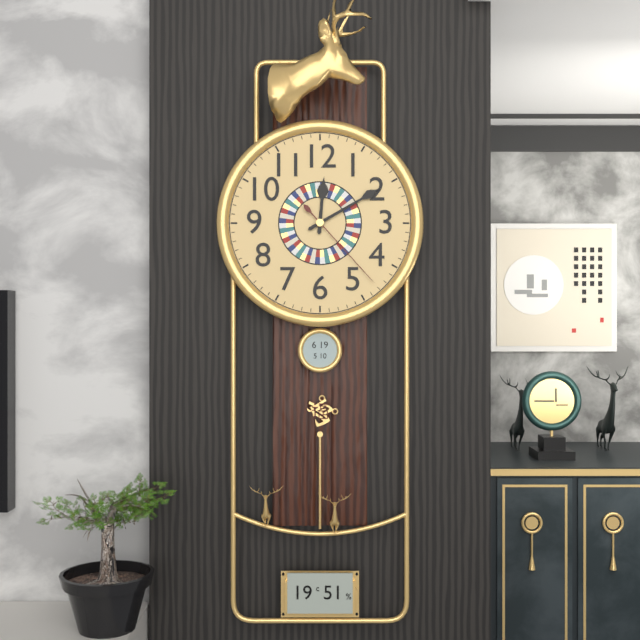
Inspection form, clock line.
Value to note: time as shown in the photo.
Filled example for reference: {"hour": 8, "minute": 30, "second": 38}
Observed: {"hour": 12, "minute": 10, "second": 23}
